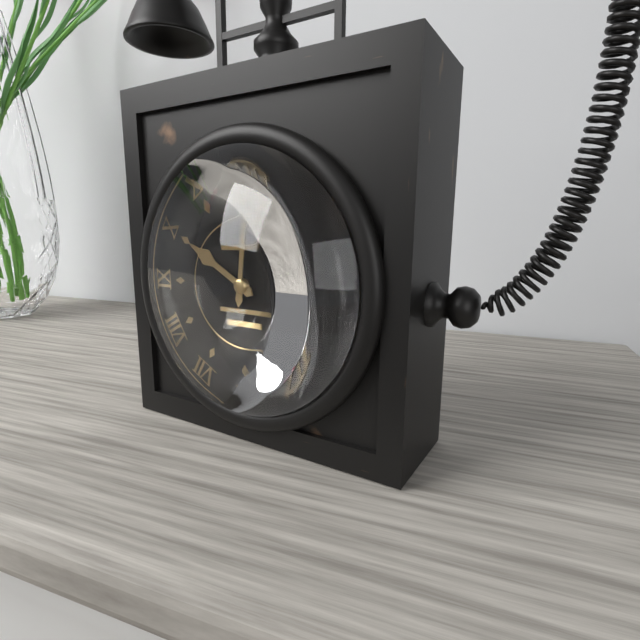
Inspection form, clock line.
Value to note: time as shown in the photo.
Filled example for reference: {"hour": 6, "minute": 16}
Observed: {"hour": 10, "minute": 1}
